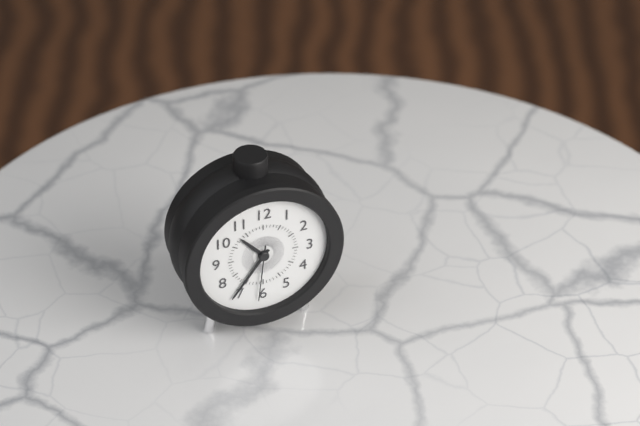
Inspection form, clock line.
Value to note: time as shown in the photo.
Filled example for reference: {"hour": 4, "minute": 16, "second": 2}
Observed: {"hour": 10, "minute": 36, "second": 31}
